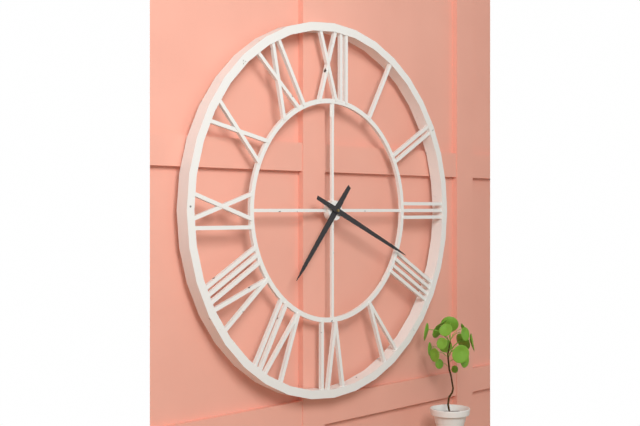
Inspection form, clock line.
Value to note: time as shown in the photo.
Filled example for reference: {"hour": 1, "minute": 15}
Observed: {"hour": 7, "minute": 19}
